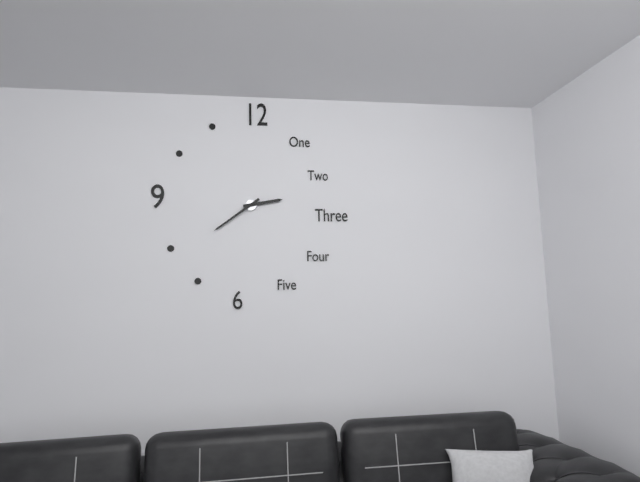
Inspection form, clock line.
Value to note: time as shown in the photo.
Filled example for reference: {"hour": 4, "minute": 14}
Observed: {"hour": 2, "minute": 39}
